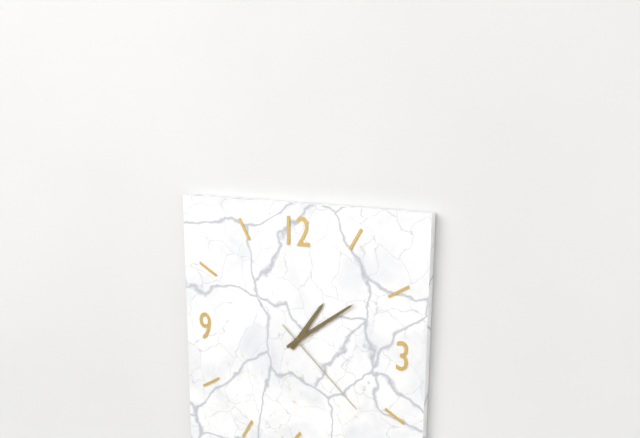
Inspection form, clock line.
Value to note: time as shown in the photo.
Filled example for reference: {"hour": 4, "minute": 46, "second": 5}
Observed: {"hour": 1, "minute": 9, "second": 22}
